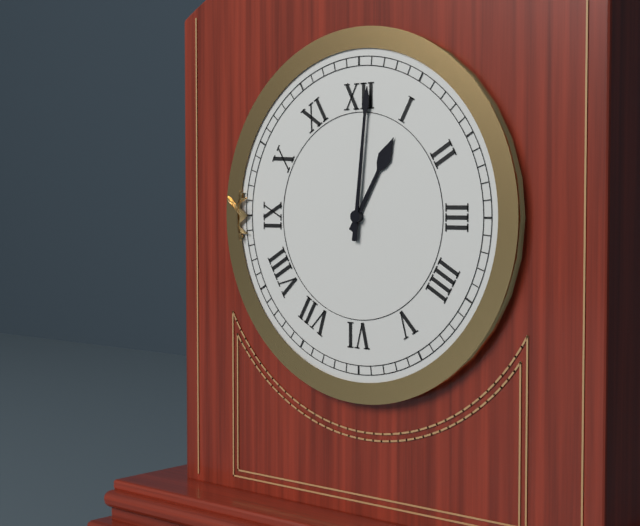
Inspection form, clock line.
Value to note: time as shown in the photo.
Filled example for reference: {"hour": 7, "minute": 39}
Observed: {"hour": 1, "minute": 1}
